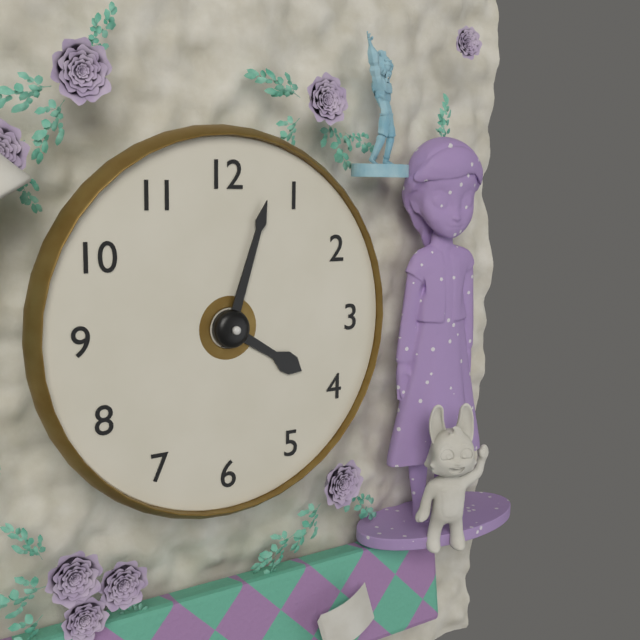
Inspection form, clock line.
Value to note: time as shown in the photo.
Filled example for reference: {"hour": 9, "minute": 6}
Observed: {"hour": 4, "minute": 3}
